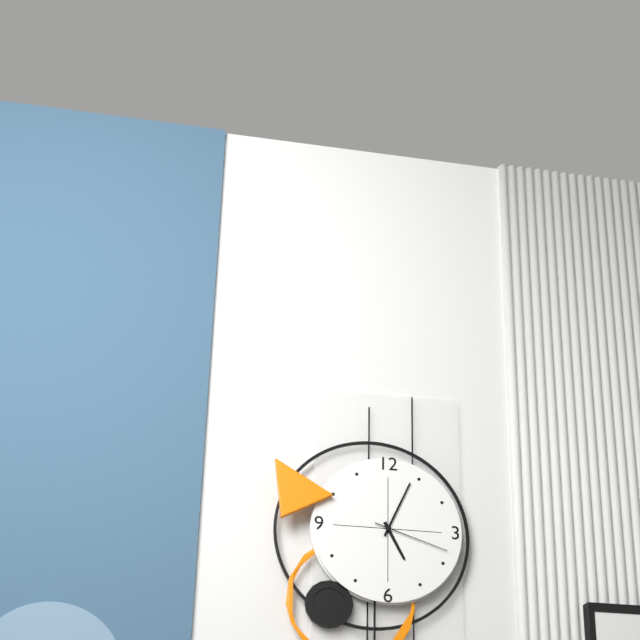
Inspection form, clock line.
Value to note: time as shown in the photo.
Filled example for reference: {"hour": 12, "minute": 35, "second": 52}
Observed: {"hour": 5, "minute": 4, "second": 18}
